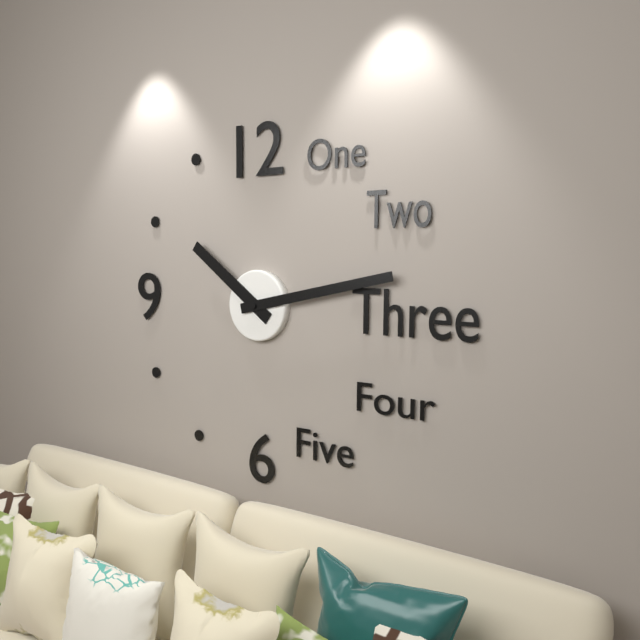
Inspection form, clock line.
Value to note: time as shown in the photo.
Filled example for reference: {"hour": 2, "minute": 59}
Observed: {"hour": 10, "minute": 13}
